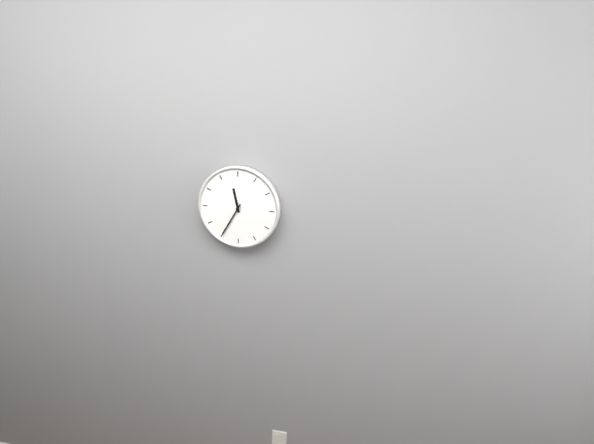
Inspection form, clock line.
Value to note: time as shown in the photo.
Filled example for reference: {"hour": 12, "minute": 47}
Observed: {"hour": 11, "minute": 35}
